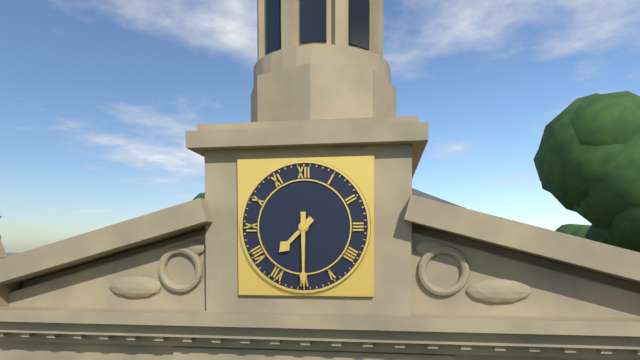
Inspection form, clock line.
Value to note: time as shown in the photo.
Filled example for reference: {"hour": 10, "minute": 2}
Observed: {"hour": 7, "minute": 30}
